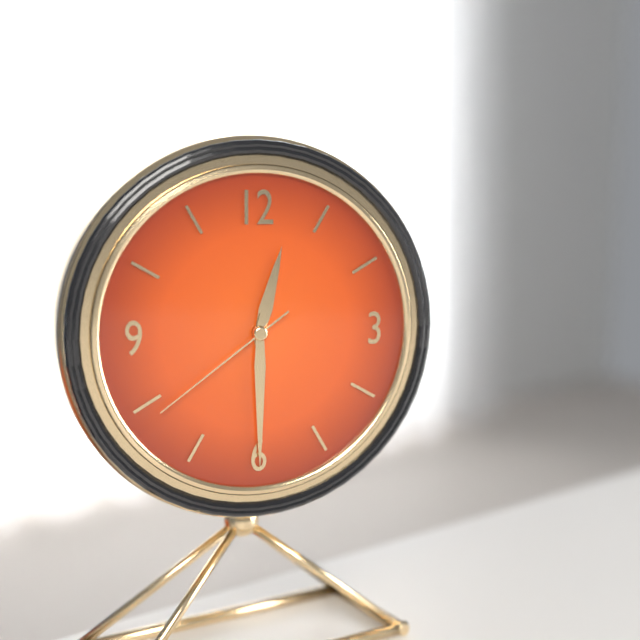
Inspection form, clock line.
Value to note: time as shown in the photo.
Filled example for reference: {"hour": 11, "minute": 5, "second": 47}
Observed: {"hour": 12, "minute": 30, "second": 39}
